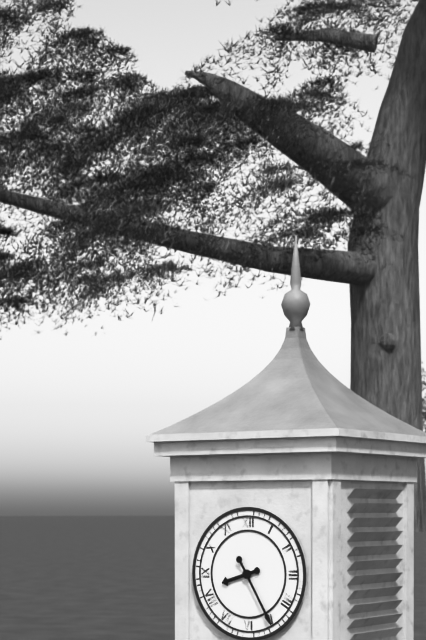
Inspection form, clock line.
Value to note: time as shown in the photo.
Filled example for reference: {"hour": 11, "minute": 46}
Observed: {"hour": 8, "minute": 25}
